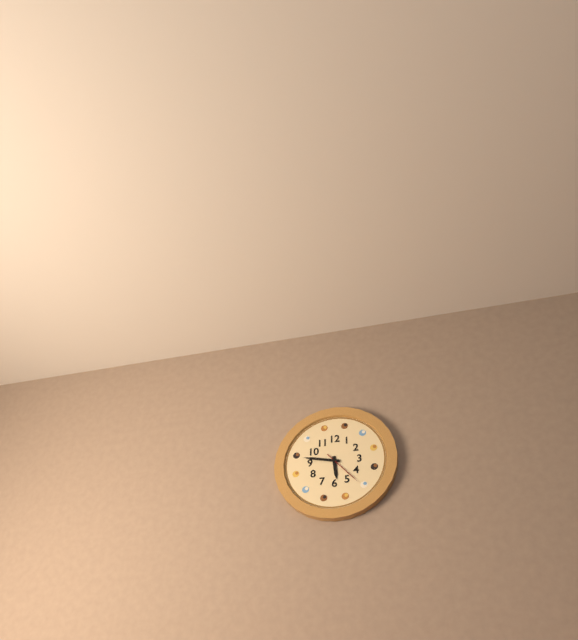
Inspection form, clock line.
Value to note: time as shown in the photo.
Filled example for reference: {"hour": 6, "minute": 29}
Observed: {"hour": 5, "minute": 47}
